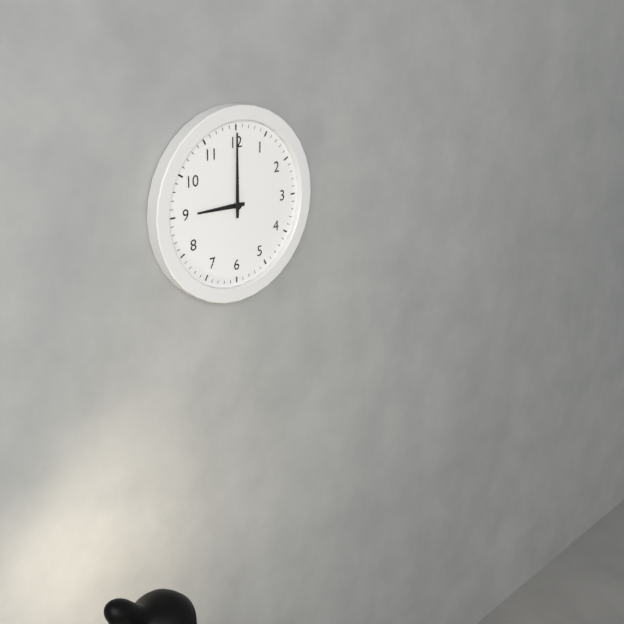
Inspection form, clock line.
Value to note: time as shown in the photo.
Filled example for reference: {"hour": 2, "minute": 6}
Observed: {"hour": 9, "minute": 0}
